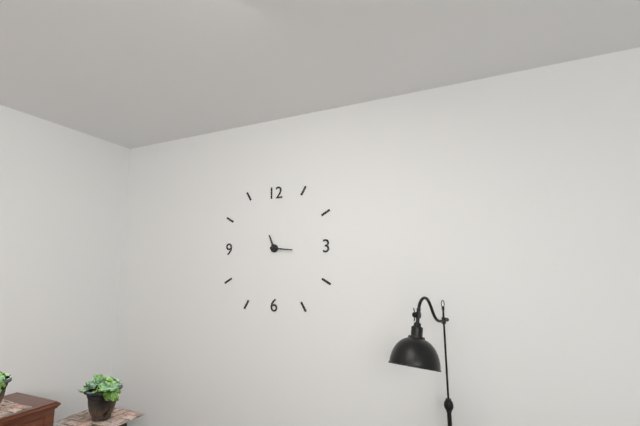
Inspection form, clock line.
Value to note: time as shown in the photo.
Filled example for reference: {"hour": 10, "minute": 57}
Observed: {"hour": 11, "minute": 16}
